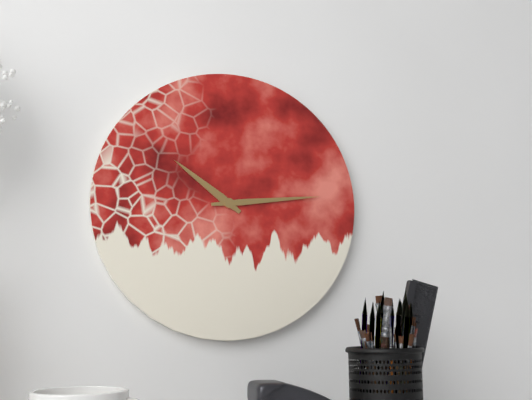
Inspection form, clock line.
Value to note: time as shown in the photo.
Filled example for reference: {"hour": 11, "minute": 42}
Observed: {"hour": 10, "minute": 14}
